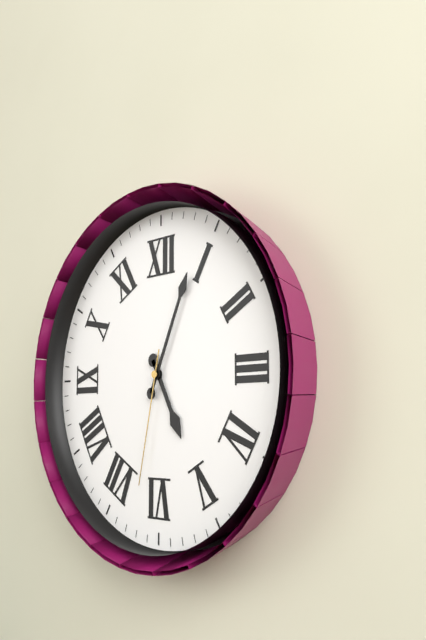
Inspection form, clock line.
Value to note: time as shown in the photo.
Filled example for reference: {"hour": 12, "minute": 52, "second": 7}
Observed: {"hour": 5, "minute": 4, "second": 32}
